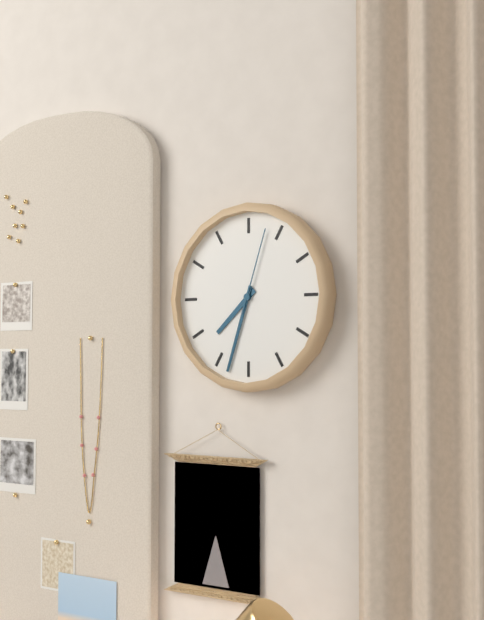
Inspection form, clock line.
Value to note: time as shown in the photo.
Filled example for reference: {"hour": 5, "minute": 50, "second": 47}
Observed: {"hour": 7, "minute": 33, "second": 3}
